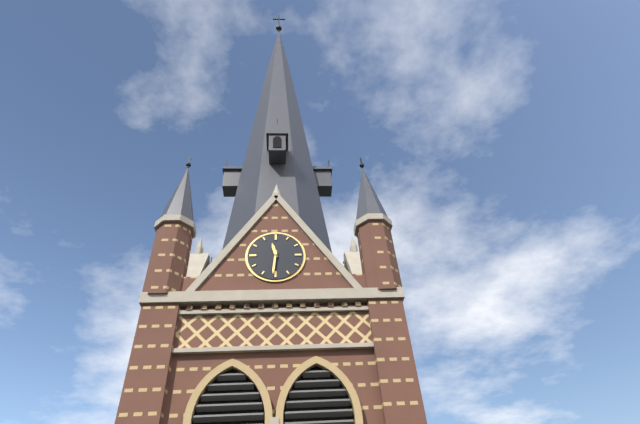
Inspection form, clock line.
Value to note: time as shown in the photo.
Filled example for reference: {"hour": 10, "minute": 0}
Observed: {"hour": 11, "minute": 31}
